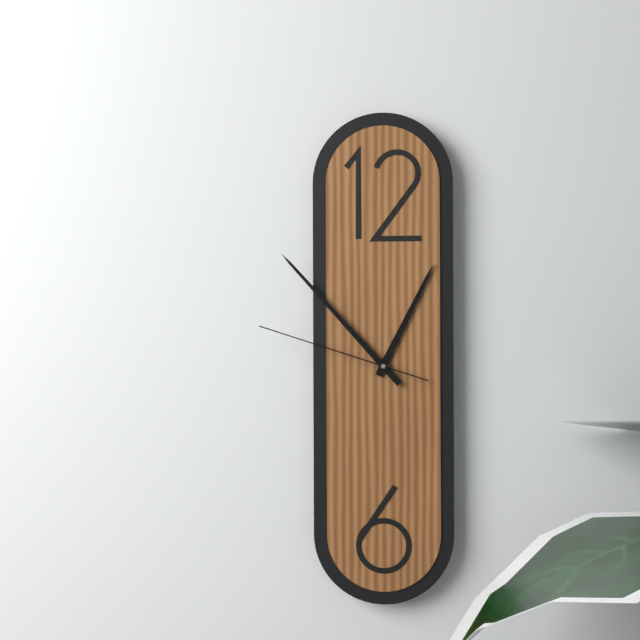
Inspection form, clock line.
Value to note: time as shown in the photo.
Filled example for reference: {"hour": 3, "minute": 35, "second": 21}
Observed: {"hour": 12, "minute": 53, "second": 48}
